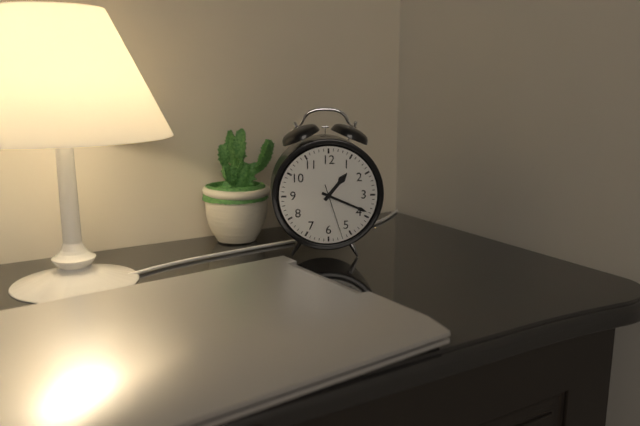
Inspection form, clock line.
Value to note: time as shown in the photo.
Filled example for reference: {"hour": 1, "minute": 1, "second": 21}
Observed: {"hour": 1, "minute": 19, "second": 27}
